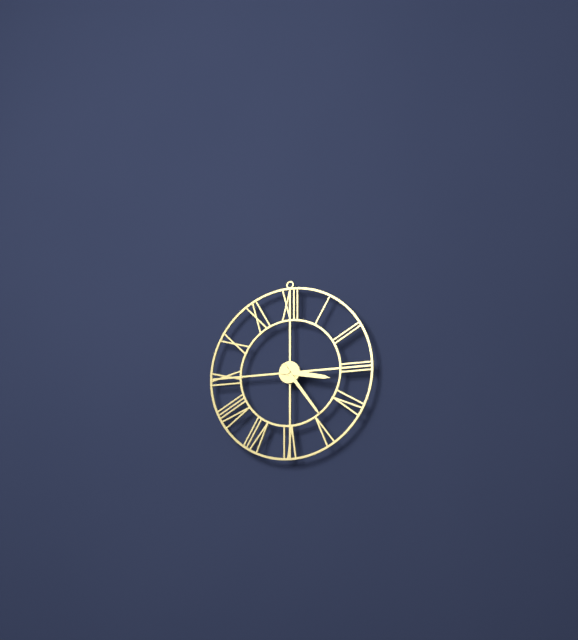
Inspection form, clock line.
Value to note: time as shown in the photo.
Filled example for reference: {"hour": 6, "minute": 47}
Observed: {"hour": 3, "minute": 24}
